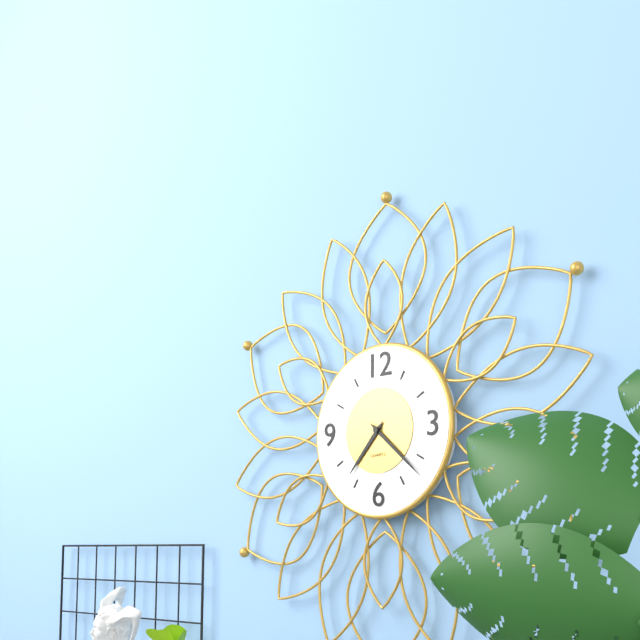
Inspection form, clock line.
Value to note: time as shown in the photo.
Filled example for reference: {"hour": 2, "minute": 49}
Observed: {"hour": 7, "minute": 22}
